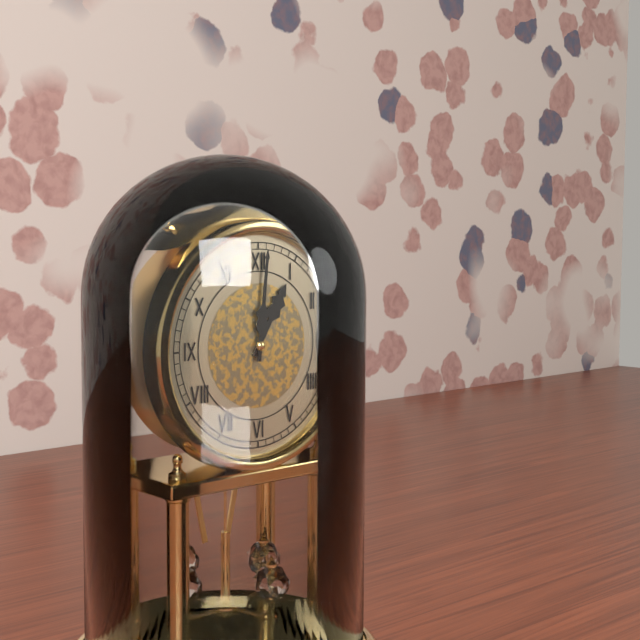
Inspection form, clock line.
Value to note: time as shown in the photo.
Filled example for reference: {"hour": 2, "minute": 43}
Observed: {"hour": 1, "minute": 1}
